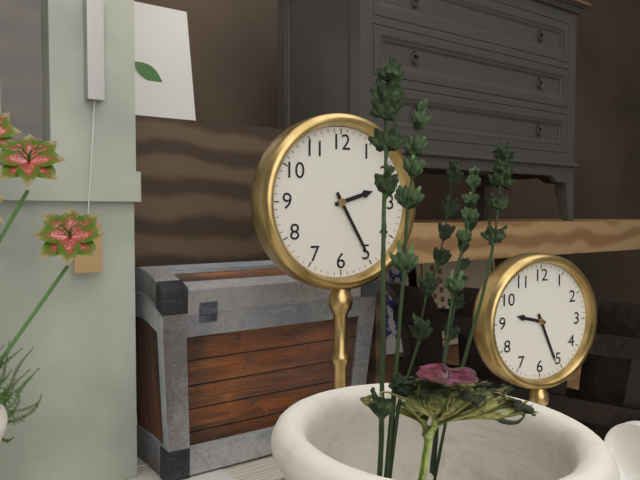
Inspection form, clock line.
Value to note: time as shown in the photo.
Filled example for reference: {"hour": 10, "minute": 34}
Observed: {"hour": 2, "minute": 25}
